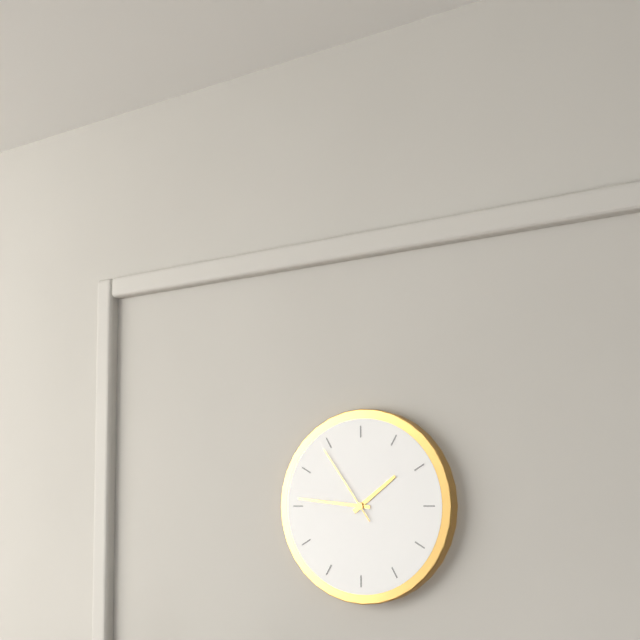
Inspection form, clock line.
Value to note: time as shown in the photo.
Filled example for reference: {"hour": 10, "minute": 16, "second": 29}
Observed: {"hour": 1, "minute": 46, "second": 54}
